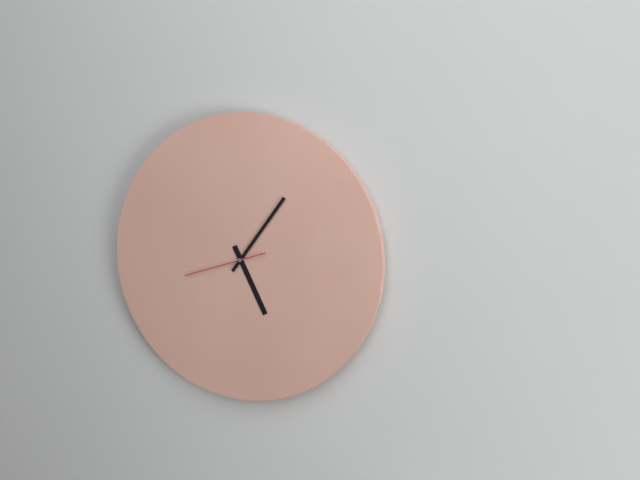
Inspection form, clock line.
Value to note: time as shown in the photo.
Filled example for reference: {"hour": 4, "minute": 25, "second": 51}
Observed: {"hour": 5, "minute": 6, "second": 42}
